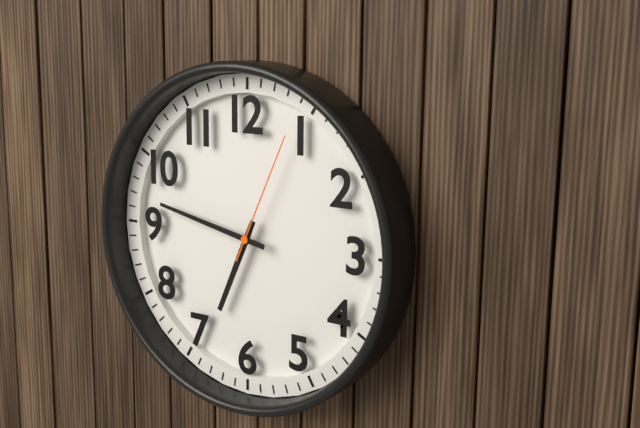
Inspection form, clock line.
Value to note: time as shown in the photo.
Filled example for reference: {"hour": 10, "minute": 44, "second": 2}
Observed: {"hour": 6, "minute": 47, "second": 4}
